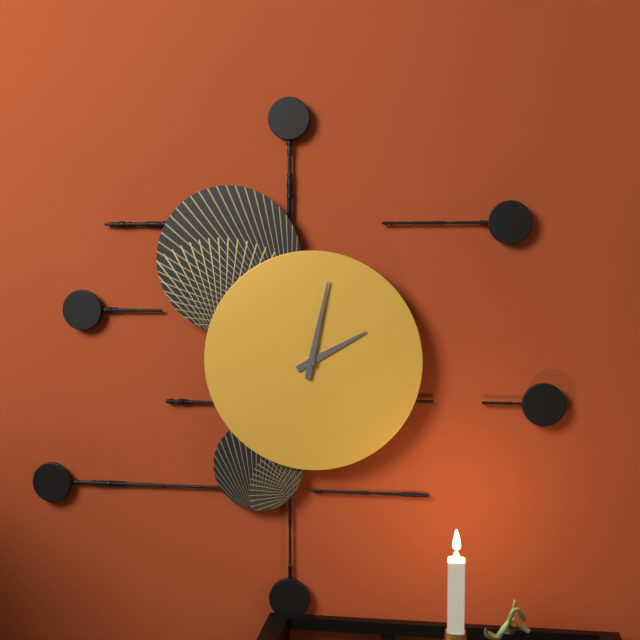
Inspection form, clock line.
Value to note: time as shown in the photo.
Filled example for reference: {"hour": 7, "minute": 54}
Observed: {"hour": 2, "minute": 2}
